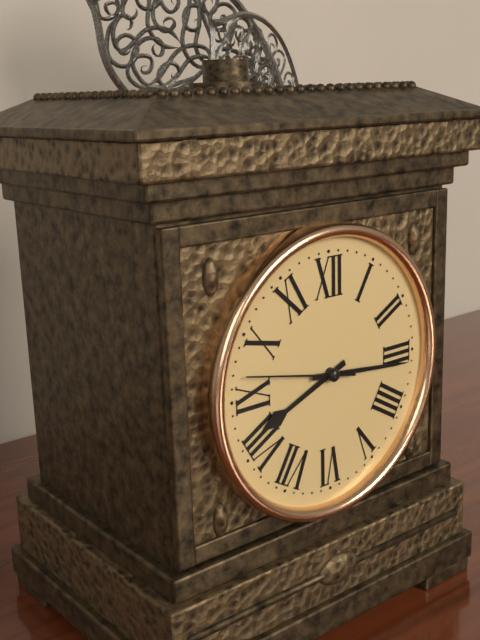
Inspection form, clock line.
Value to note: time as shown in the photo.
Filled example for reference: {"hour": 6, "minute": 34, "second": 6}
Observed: {"hour": 8, "minute": 16, "second": 47}
